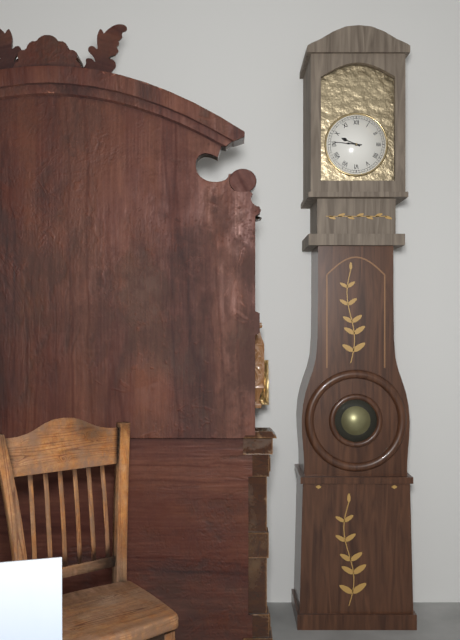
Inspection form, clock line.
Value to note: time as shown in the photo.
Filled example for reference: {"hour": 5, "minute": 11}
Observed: {"hour": 9, "minute": 46}
